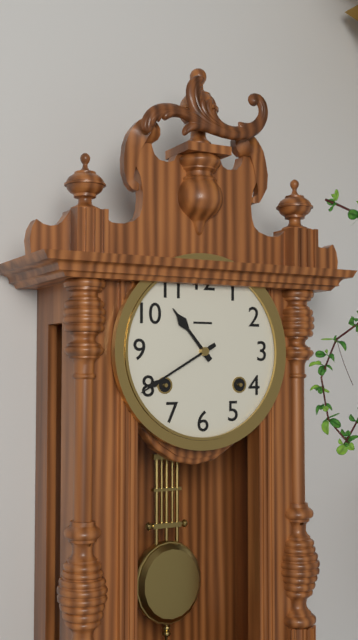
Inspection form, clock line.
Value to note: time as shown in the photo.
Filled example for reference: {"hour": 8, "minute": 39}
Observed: {"hour": 10, "minute": 40}
